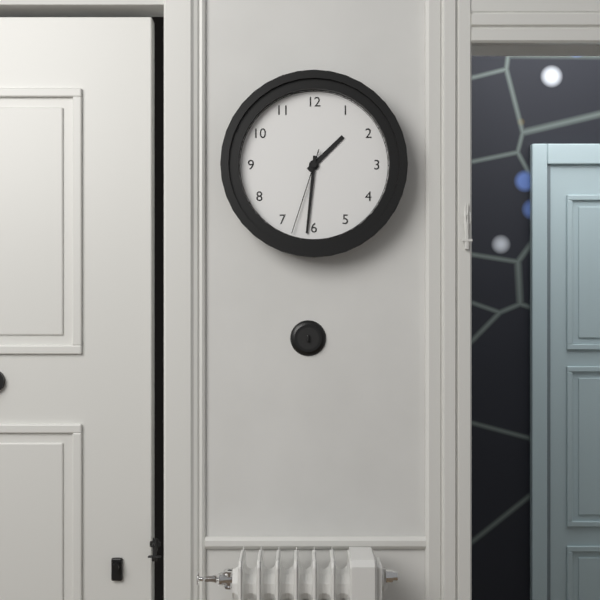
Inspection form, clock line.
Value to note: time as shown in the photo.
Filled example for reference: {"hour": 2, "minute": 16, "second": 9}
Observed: {"hour": 1, "minute": 31, "second": 33}
